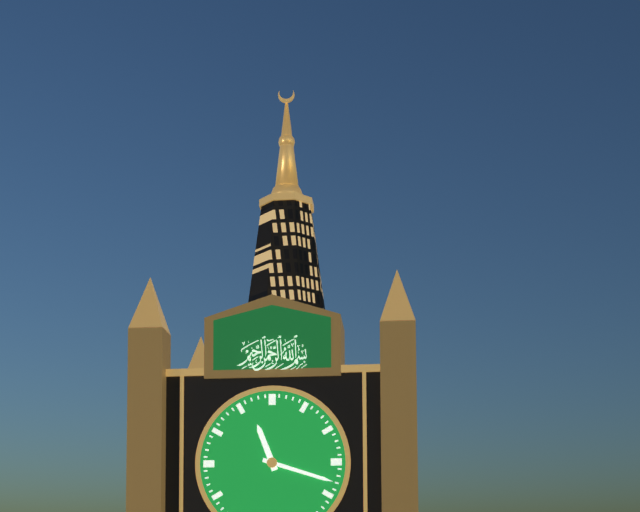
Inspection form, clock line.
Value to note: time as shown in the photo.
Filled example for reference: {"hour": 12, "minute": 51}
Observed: {"hour": 11, "minute": 18}
